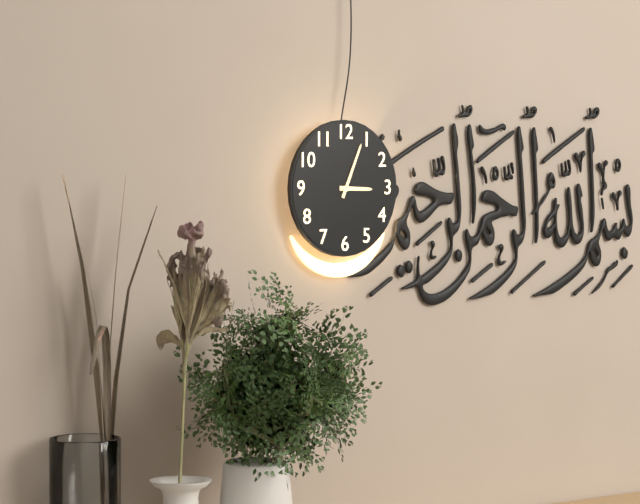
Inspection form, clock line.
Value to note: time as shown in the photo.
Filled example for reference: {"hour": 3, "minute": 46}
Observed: {"hour": 3, "minute": 4}
